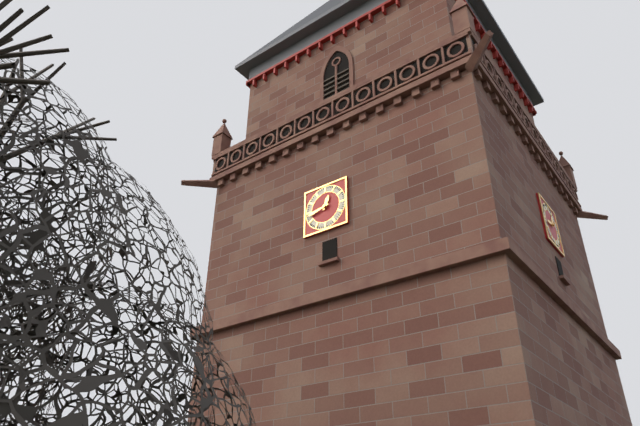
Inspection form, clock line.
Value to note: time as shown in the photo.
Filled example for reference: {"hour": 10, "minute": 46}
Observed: {"hour": 12, "minute": 43}
